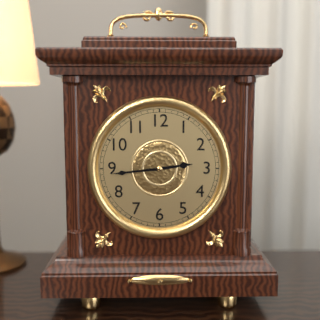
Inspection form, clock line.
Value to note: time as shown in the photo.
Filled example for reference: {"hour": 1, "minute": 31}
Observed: {"hour": 2, "minute": 44}
